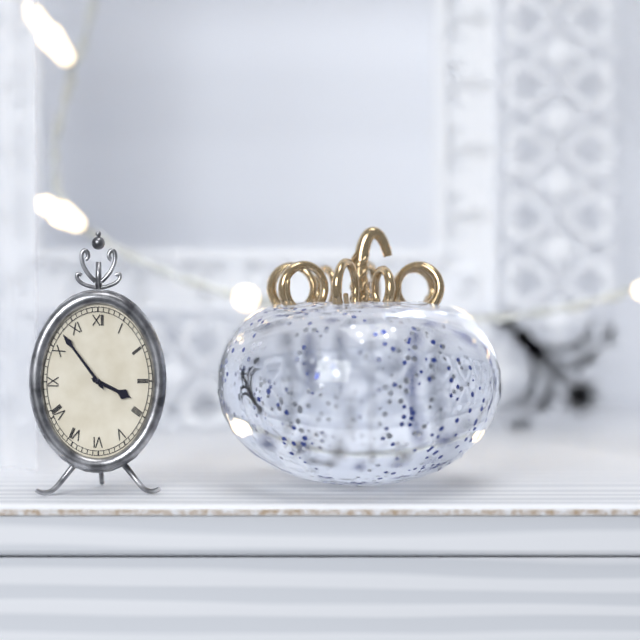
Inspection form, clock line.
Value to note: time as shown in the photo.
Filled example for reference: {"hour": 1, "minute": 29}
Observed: {"hour": 3, "minute": 54}
